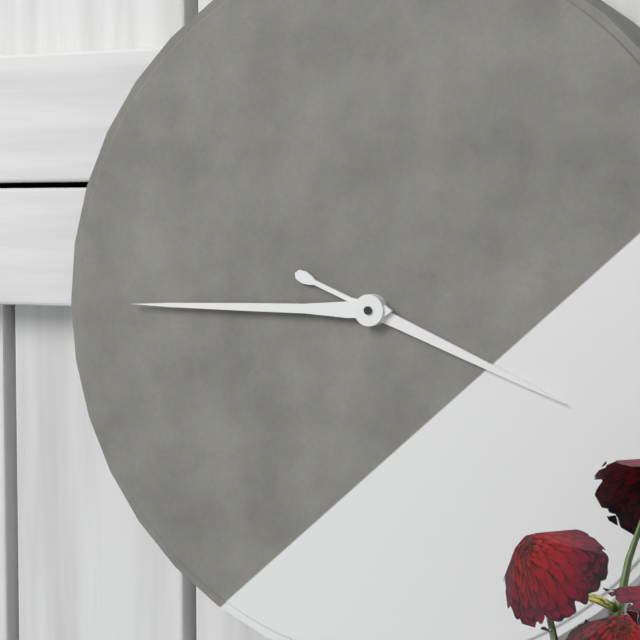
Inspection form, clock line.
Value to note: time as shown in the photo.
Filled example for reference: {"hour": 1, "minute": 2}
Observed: {"hour": 3, "minute": 45}
